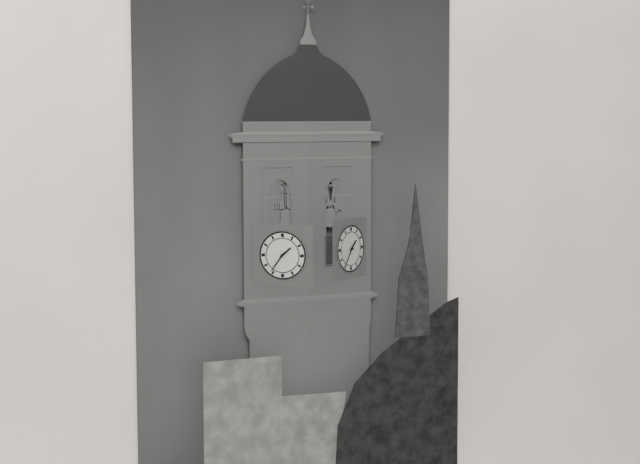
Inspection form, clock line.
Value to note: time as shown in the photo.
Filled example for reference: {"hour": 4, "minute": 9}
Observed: {"hour": 1, "minute": 36}
